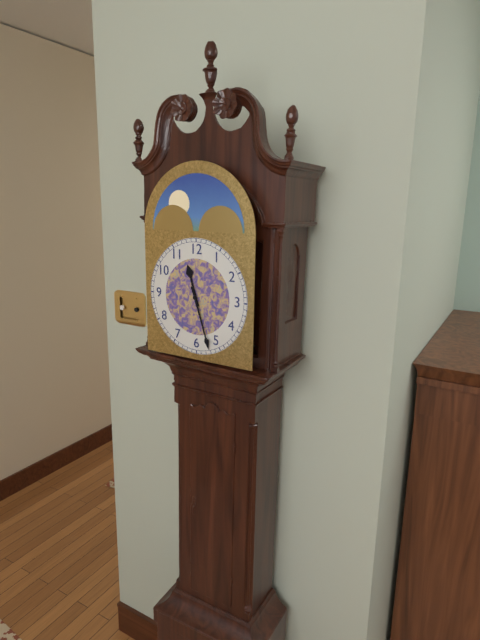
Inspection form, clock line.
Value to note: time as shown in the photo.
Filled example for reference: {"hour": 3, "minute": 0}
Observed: {"hour": 11, "minute": 27}
